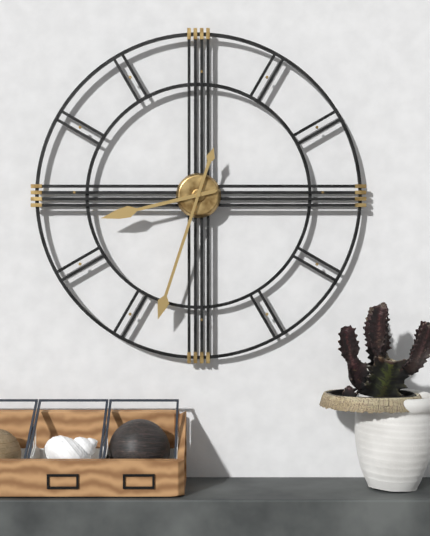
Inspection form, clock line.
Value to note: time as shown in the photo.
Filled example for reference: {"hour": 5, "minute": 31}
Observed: {"hour": 8, "minute": 33}
